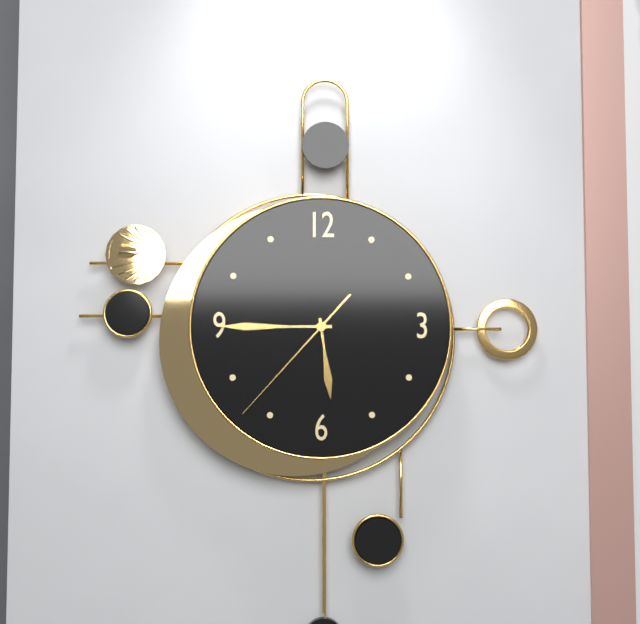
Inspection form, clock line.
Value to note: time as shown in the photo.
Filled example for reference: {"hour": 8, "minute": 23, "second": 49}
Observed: {"hour": 5, "minute": 45, "second": 37}
